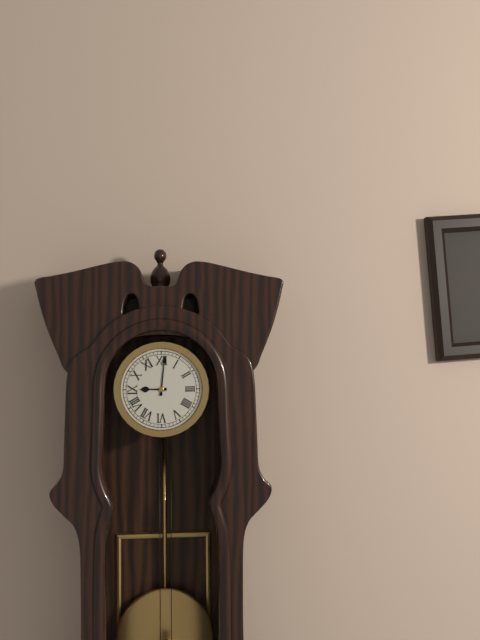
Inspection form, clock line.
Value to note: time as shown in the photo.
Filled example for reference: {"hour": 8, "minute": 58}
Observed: {"hour": 9, "minute": 1}
